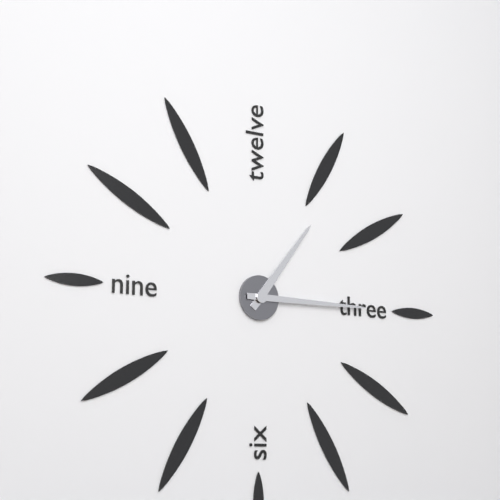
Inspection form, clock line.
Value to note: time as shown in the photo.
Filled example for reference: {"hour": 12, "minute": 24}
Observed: {"hour": 1, "minute": 15}
